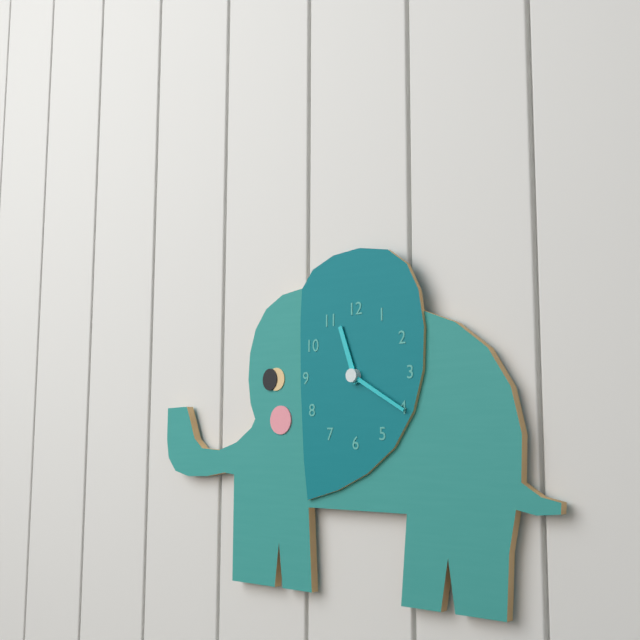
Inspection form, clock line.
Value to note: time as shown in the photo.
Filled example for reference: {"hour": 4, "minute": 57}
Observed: {"hour": 11, "minute": 20}
